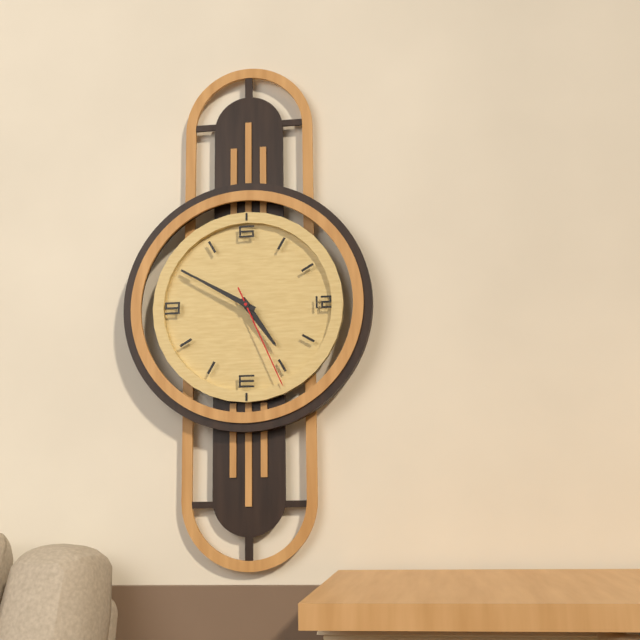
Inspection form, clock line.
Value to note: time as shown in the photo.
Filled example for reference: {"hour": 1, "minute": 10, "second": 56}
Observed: {"hour": 4, "minute": 50, "second": 26}
